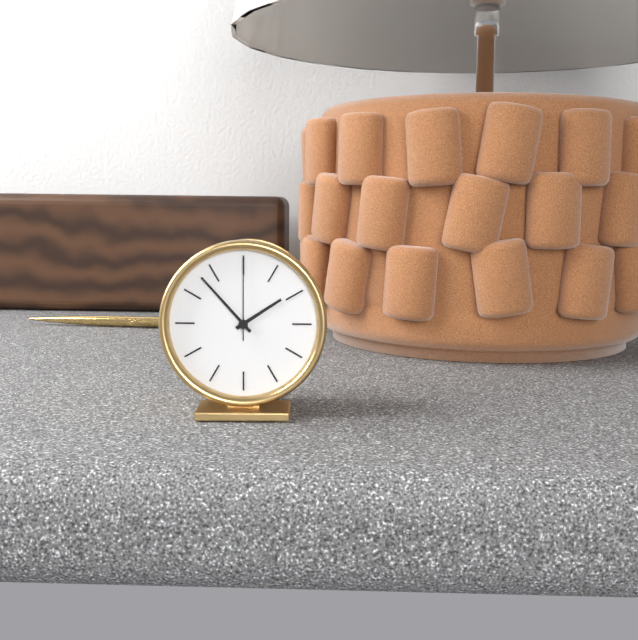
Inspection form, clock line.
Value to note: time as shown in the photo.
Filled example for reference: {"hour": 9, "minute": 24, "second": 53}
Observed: {"hour": 1, "minute": 53, "second": 0}
